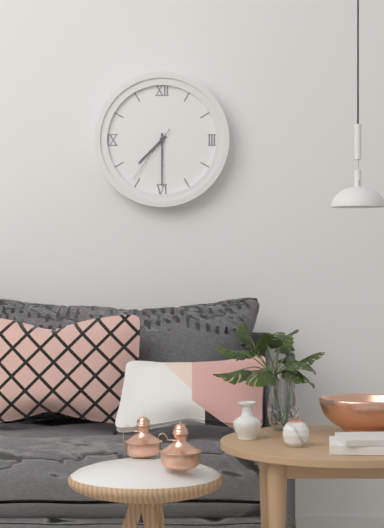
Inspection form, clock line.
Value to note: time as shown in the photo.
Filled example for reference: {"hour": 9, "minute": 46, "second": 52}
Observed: {"hour": 7, "minute": 30, "second": 36}
